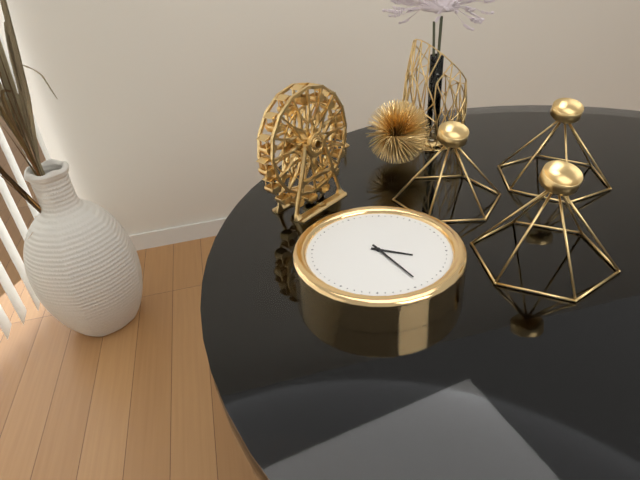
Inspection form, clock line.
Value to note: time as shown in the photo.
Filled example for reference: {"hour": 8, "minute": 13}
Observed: {"hour": 4, "minute": 29}
